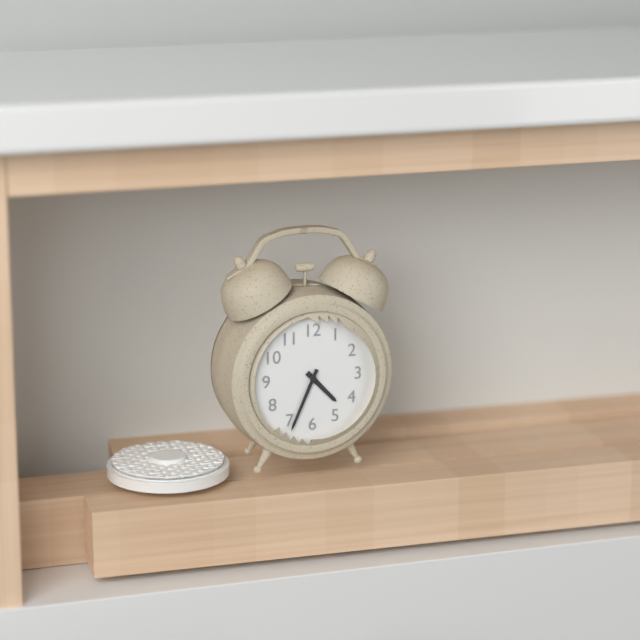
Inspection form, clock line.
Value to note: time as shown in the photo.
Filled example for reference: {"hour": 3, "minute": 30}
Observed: {"hour": 4, "minute": 34}
